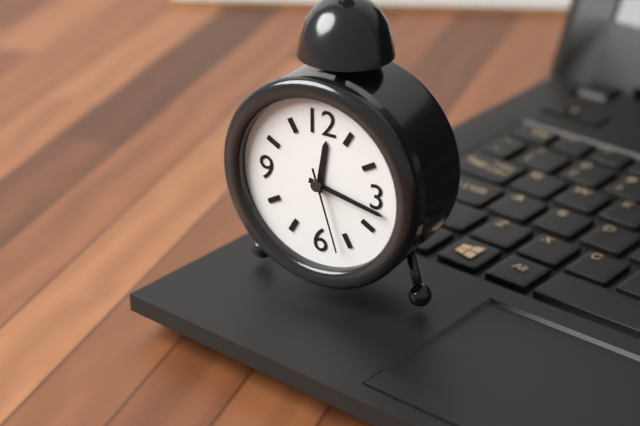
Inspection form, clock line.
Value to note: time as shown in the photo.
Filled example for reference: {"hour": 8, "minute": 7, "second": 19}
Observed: {"hour": 12, "minute": 17, "second": 27}
